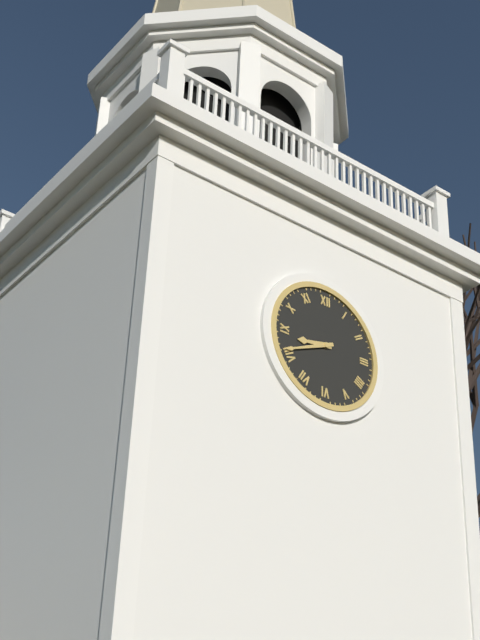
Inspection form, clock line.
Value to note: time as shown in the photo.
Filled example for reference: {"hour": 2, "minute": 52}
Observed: {"hour": 8, "minute": 41}
